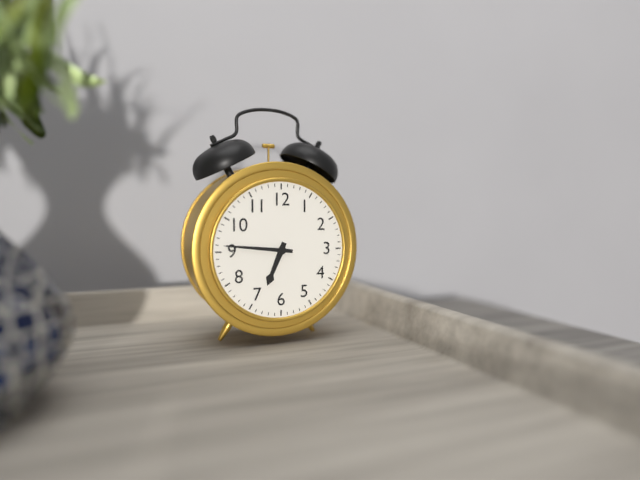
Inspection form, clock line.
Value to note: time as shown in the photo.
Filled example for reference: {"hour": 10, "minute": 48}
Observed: {"hour": 6, "minute": 46}
